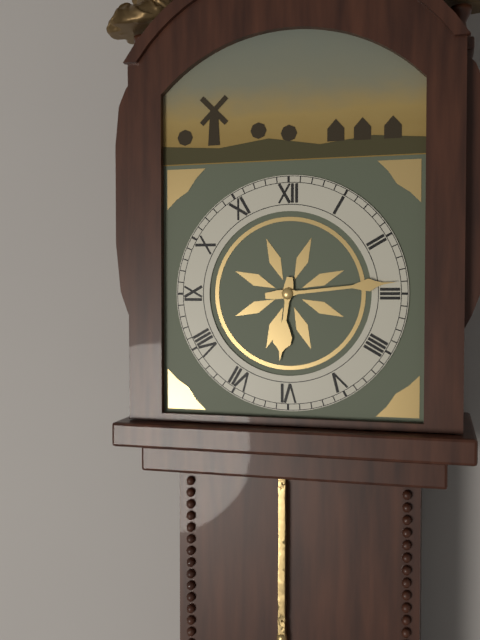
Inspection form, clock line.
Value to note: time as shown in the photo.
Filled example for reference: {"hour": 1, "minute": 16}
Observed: {"hour": 6, "minute": 14}
